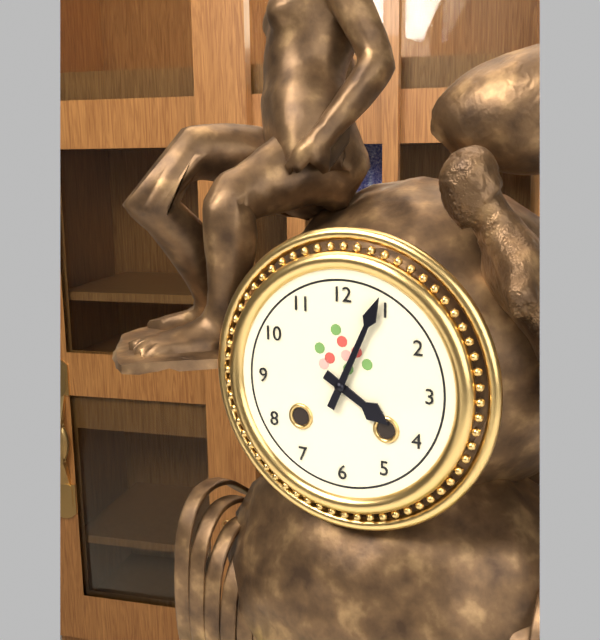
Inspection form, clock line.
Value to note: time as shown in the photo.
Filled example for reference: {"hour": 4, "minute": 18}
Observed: {"hour": 4, "minute": 4}
